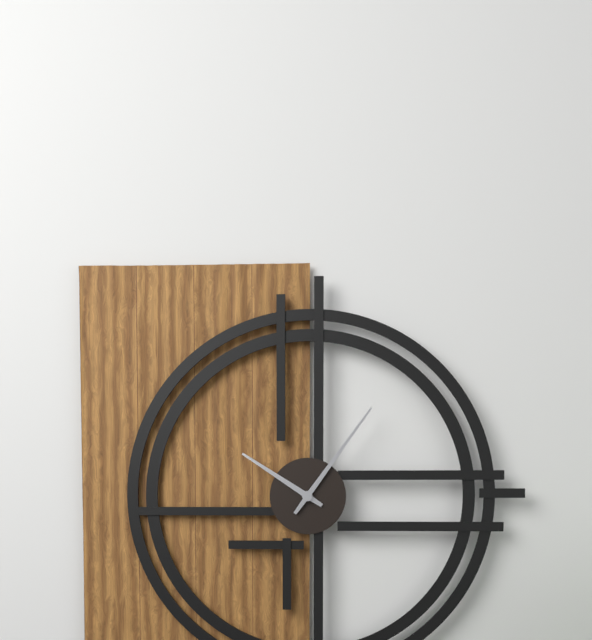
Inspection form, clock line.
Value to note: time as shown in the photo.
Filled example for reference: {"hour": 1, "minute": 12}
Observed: {"hour": 10, "minute": 6}
